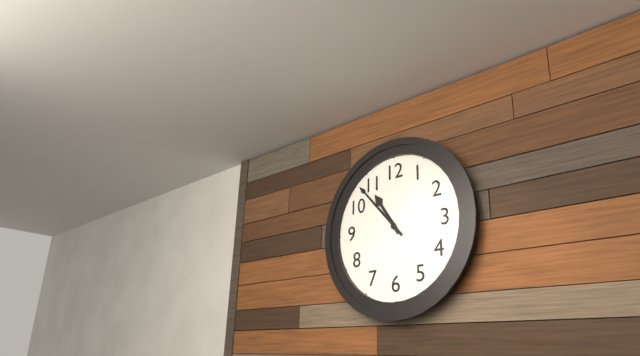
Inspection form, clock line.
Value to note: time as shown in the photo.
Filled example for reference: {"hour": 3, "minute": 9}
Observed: {"hour": 10, "minute": 53}
